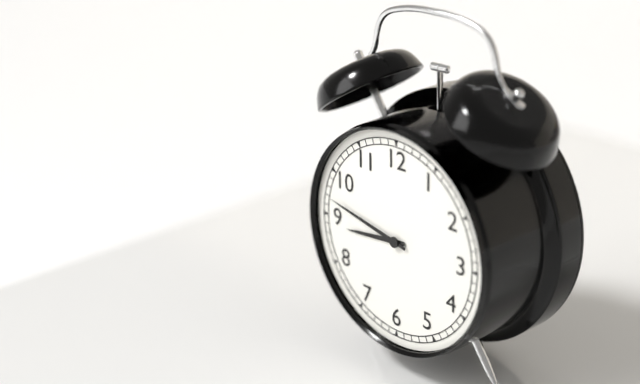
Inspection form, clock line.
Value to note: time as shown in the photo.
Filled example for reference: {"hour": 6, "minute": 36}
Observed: {"hour": 8, "minute": 47}
